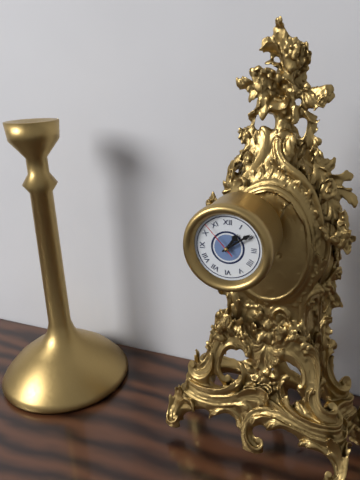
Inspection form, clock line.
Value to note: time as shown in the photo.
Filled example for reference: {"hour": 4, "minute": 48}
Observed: {"hour": 1, "minute": 9}
